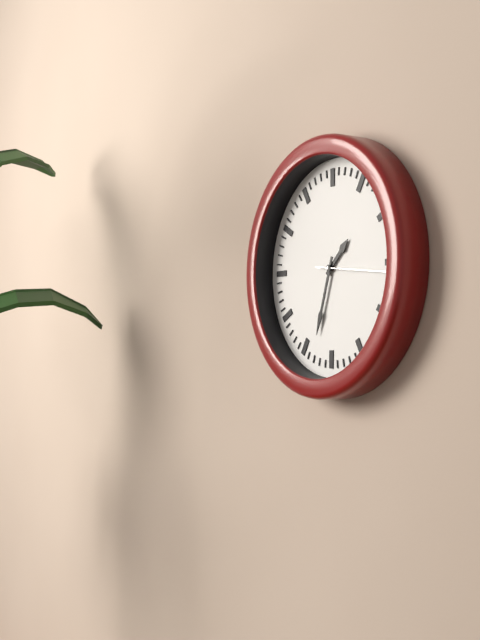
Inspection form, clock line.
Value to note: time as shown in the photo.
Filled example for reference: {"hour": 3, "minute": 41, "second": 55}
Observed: {"hour": 1, "minute": 33, "second": 16}
